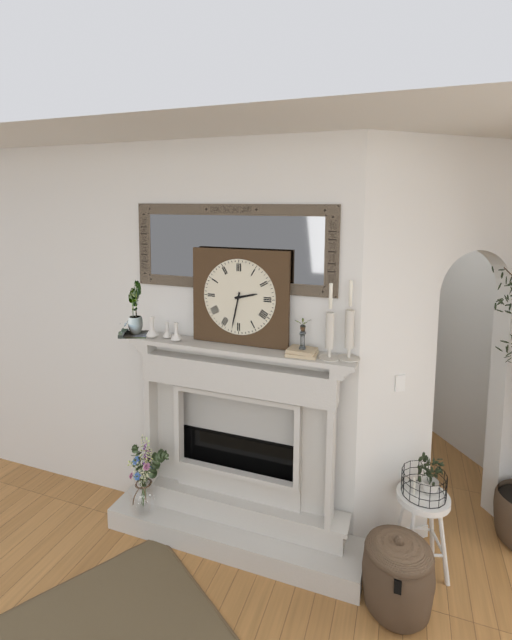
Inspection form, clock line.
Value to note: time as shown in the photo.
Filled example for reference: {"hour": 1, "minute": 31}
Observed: {"hour": 2, "minute": 32}
